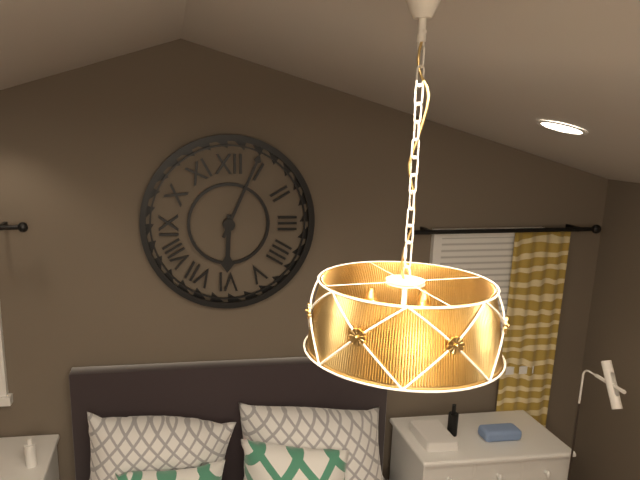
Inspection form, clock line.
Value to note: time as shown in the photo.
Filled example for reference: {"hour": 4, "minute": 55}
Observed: {"hour": 6, "minute": 4}
